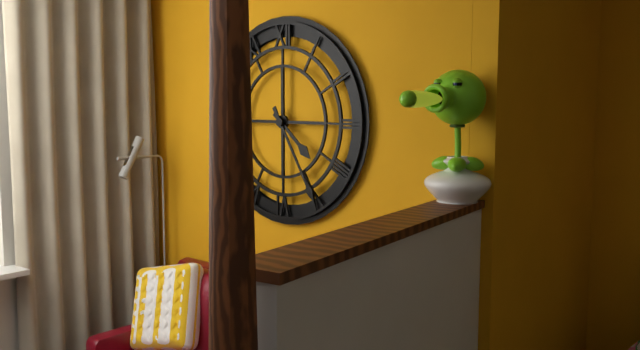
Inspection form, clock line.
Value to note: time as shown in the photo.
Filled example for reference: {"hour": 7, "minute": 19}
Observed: {"hour": 4, "minute": 25}
